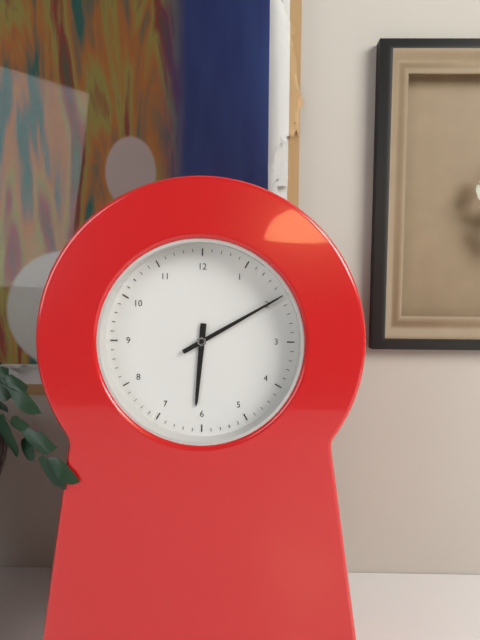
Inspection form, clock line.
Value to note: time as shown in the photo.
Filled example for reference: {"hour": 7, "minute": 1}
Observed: {"hour": 6, "minute": 10}
